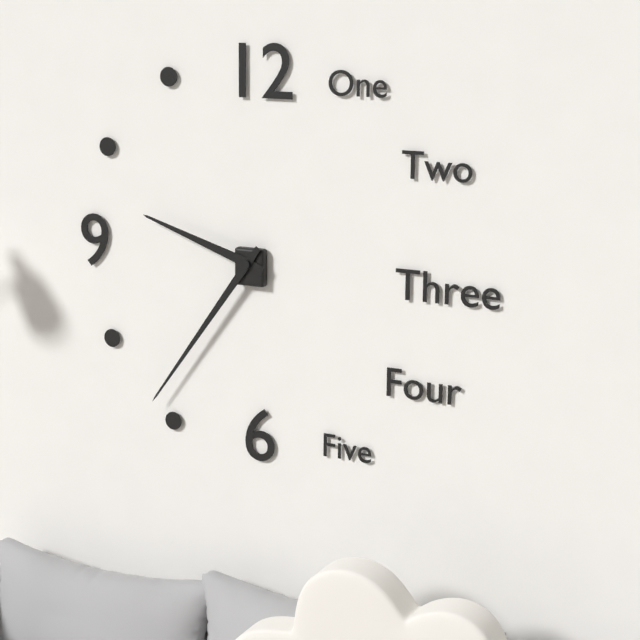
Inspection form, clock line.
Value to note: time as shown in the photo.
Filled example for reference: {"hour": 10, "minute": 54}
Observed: {"hour": 9, "minute": 36}
